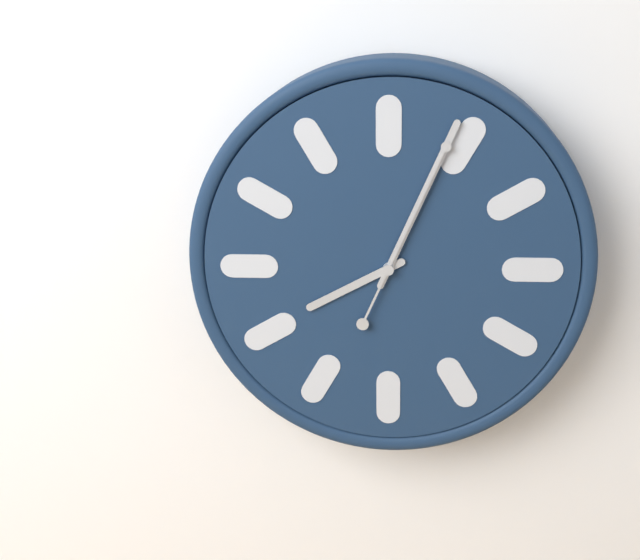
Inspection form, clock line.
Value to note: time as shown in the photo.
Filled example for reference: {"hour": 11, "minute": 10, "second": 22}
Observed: {"hour": 8, "minute": 4, "second": 4}
